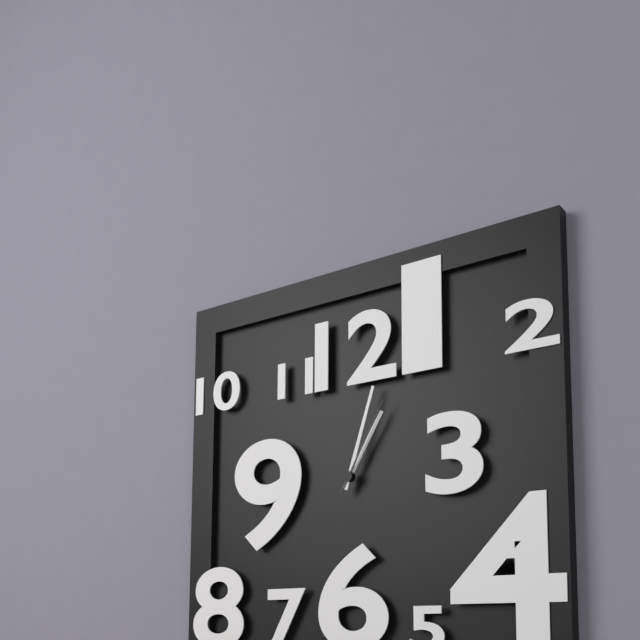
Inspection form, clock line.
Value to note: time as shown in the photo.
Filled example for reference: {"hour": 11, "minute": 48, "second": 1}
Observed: {"hour": 1, "minute": 3, "second": 5}
